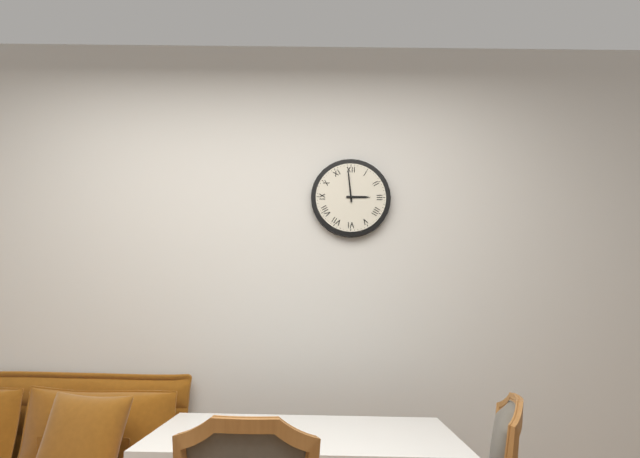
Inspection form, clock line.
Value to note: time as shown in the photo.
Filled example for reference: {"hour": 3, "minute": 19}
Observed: {"hour": 2, "minute": 59}
